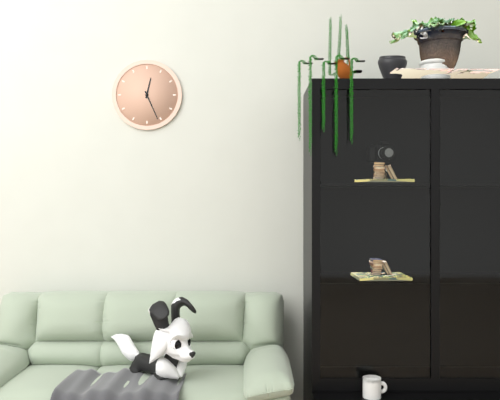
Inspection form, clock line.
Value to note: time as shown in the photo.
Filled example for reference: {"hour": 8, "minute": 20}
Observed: {"hour": 12, "minute": 26}
